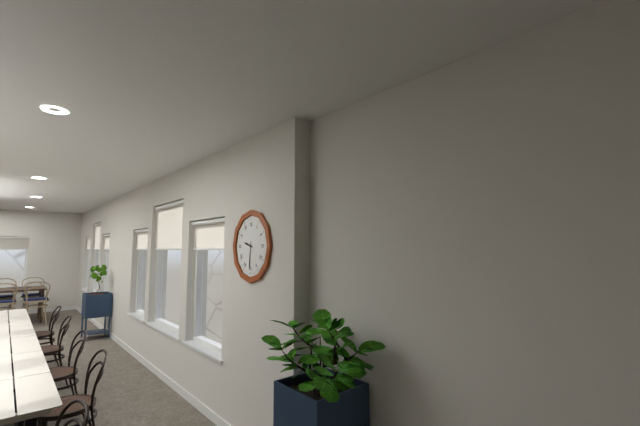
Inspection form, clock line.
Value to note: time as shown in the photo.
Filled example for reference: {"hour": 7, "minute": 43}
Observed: {"hour": 9, "minute": 31}
